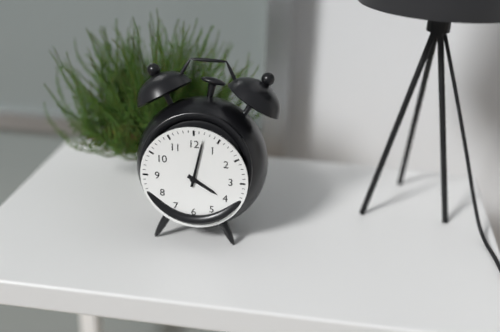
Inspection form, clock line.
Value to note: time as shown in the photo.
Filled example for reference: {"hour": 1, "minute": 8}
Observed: {"hour": 4, "minute": 2}
